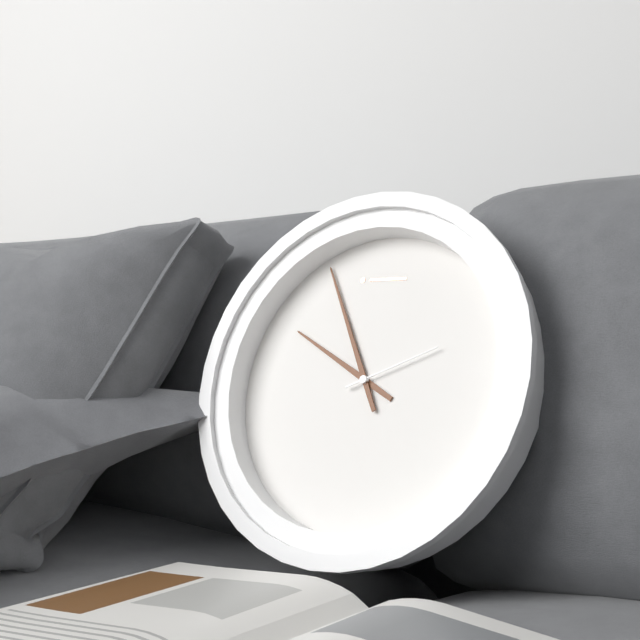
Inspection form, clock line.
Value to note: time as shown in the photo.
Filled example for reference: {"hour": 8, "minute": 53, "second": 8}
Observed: {"hour": 9, "minute": 55, "second": 11}
